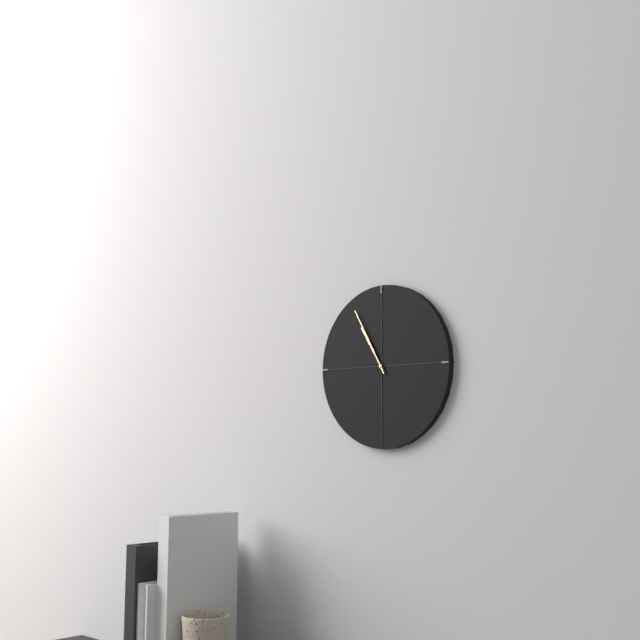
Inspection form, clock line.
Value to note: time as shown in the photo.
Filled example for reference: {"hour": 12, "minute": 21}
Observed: {"hour": 10, "minute": 55}
